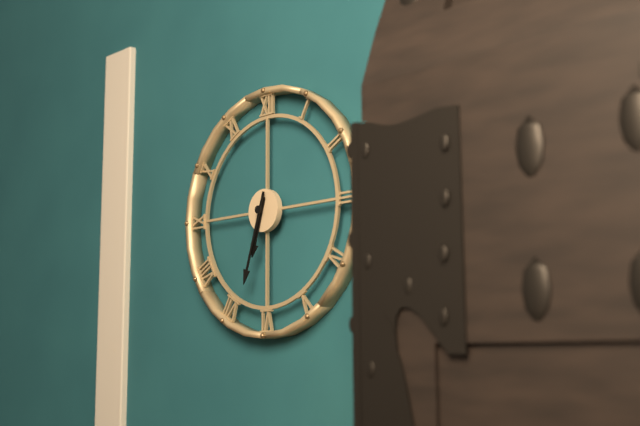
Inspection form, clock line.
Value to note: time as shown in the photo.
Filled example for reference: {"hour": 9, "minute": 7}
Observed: {"hour": 6, "minute": 33}
